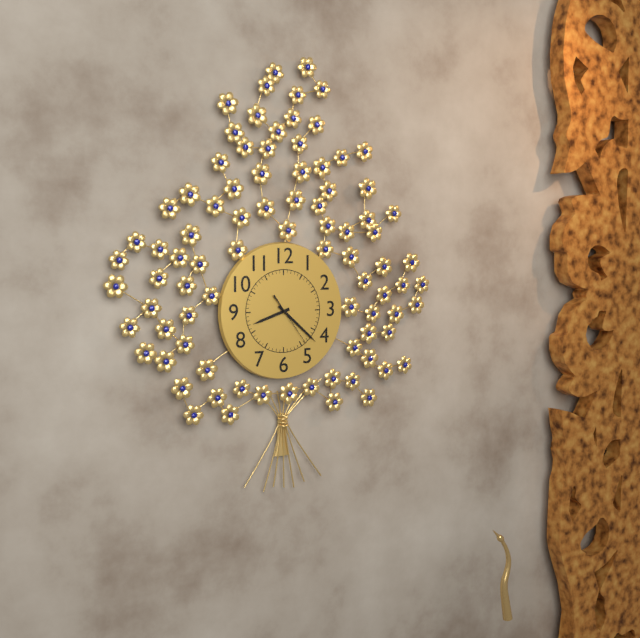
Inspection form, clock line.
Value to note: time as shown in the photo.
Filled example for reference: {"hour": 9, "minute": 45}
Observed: {"hour": 8, "minute": 22}
